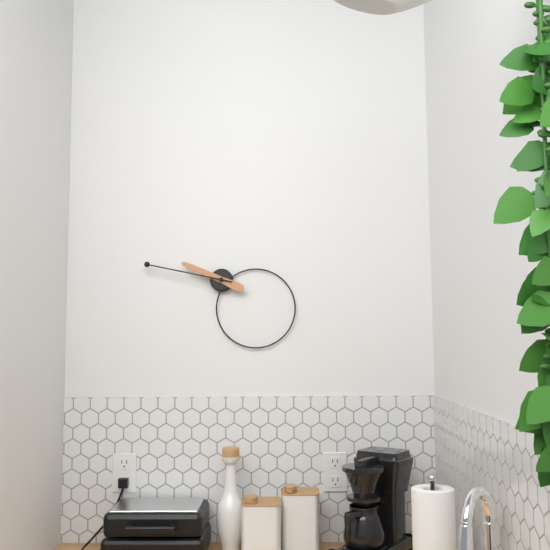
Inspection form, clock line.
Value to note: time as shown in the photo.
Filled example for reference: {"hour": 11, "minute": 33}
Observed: {"hour": 9, "minute": 47}
